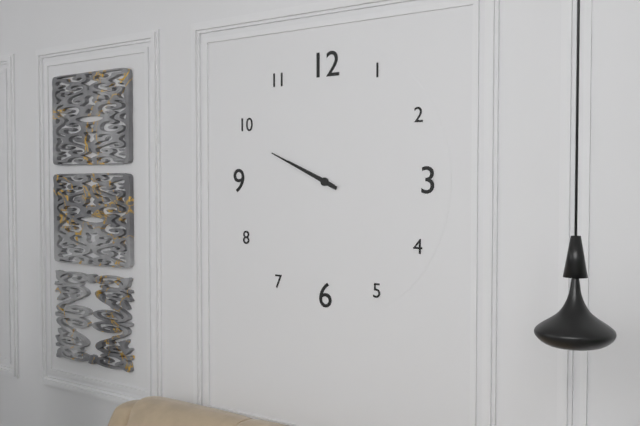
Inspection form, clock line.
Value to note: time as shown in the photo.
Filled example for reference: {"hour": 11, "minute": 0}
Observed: {"hour": 9, "minute": 49}
